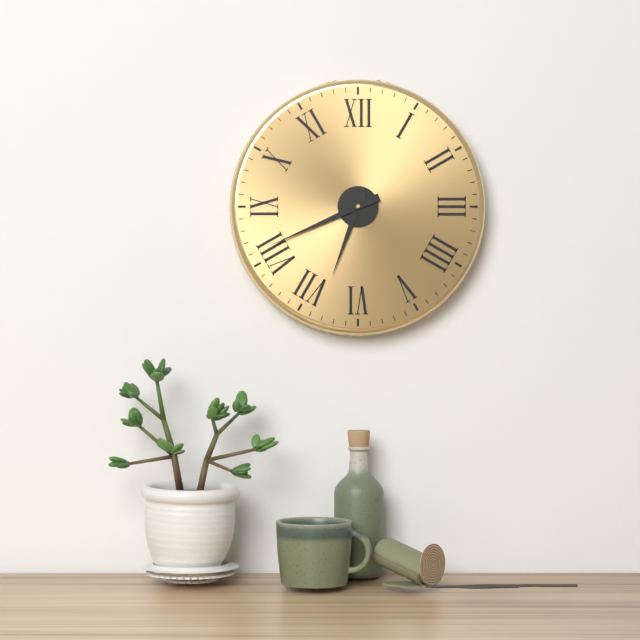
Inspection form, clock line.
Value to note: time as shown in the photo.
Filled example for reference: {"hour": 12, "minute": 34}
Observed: {"hour": 6, "minute": 41}
